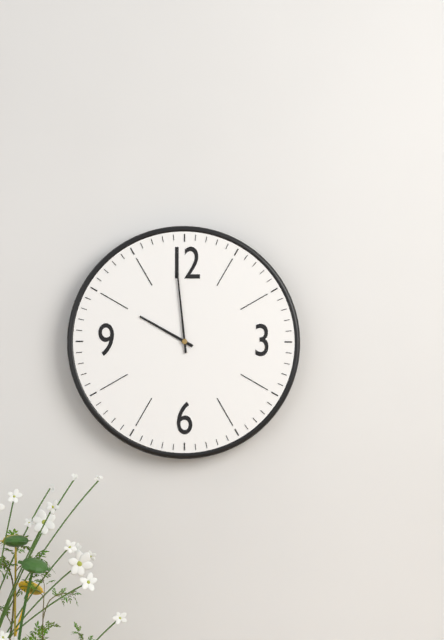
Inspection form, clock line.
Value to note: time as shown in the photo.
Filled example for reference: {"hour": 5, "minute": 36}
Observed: {"hour": 9, "minute": 59}
